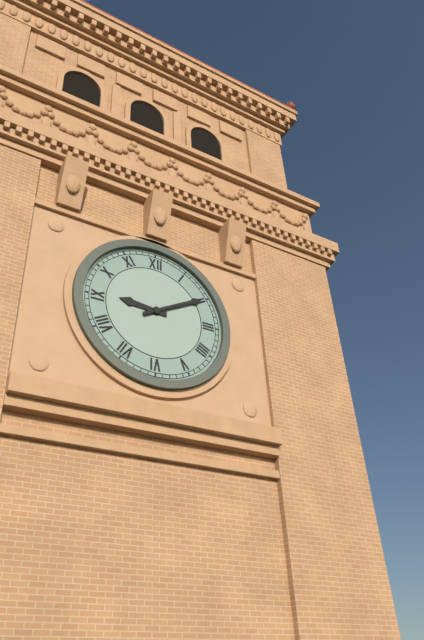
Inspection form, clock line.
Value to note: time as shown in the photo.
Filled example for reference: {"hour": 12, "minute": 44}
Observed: {"hour": 9, "minute": 10}
